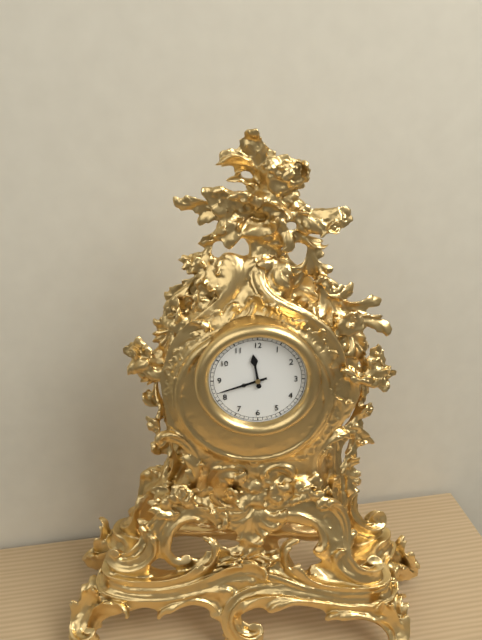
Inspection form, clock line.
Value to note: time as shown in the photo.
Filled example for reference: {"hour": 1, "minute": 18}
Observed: {"hour": 11, "minute": 42}
